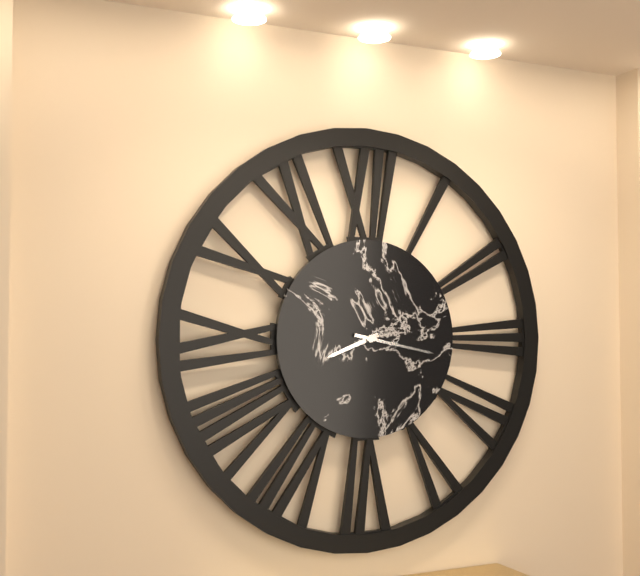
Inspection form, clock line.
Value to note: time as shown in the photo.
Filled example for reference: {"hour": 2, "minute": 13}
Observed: {"hour": 8, "minute": 17}
